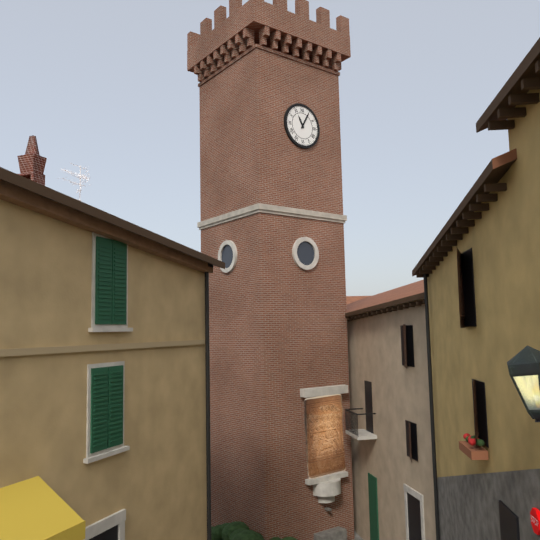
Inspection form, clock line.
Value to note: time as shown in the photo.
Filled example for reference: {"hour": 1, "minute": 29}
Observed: {"hour": 11, "minute": 5}
